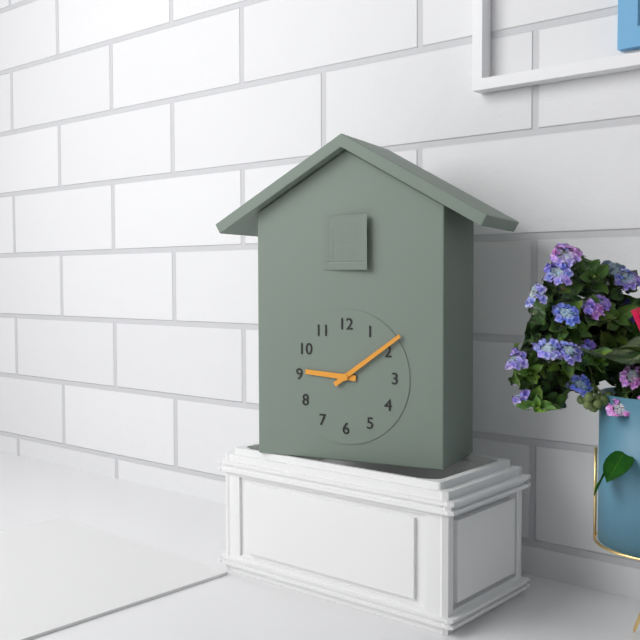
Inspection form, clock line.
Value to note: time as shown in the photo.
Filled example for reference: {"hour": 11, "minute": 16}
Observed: {"hour": 9, "minute": 9}
